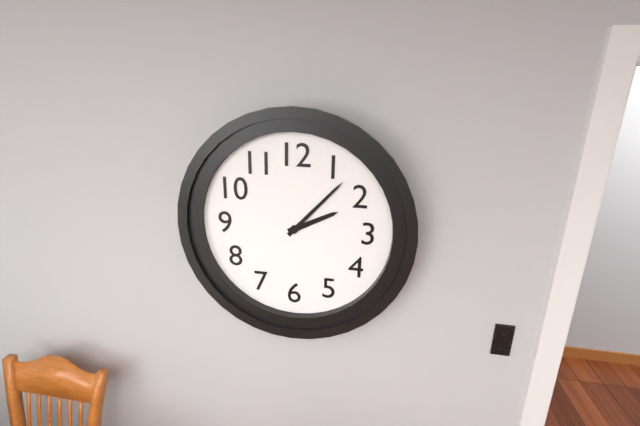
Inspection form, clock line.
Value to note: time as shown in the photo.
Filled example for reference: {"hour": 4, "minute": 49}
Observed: {"hour": 2, "minute": 7}
